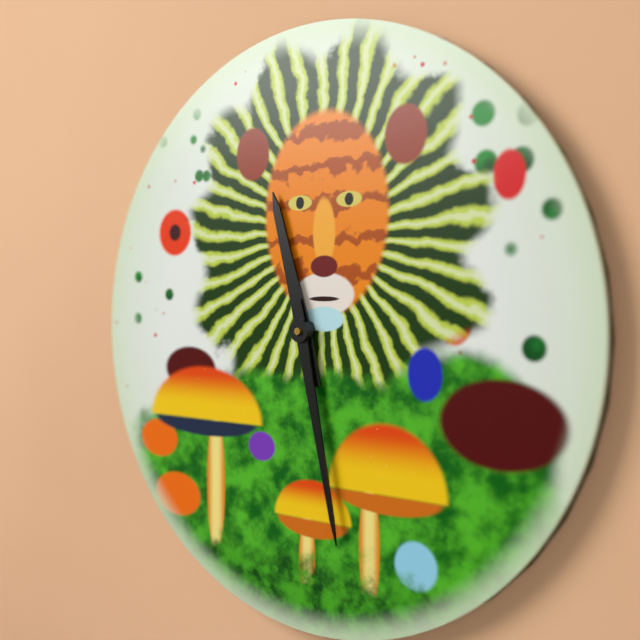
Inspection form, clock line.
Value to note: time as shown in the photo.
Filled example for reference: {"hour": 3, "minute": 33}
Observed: {"hour": 11, "minute": 28}
